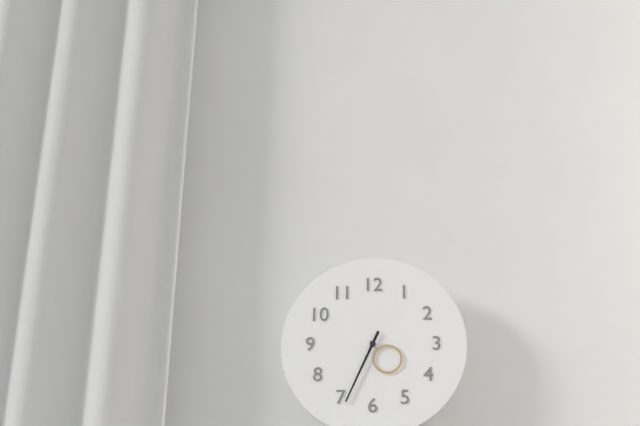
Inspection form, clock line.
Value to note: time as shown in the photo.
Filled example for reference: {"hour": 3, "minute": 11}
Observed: {"hour": 4, "minute": 34}
